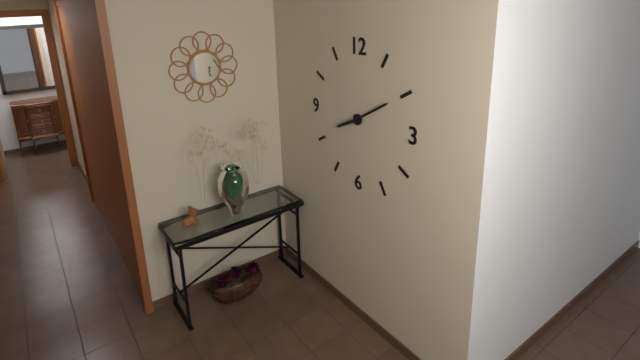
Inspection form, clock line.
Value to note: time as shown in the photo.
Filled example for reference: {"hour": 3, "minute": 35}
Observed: {"hour": 8, "minute": 10}
